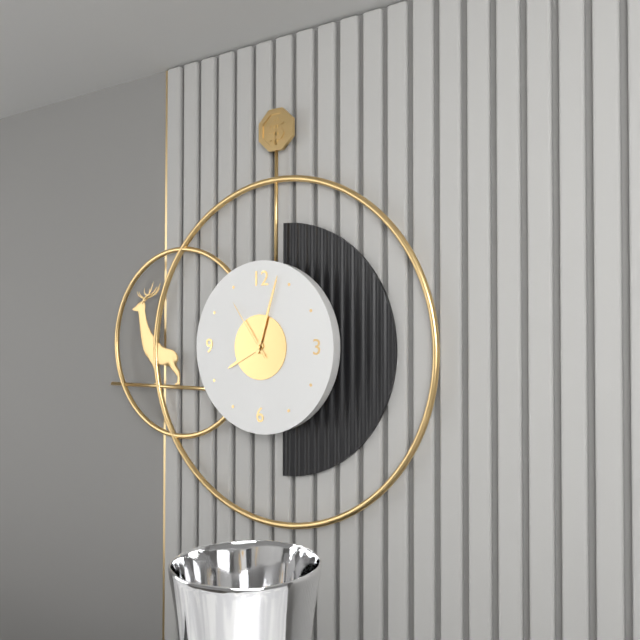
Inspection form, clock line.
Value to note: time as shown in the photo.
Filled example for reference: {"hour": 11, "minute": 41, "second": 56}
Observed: {"hour": 8, "minute": 3, "second": 54}
